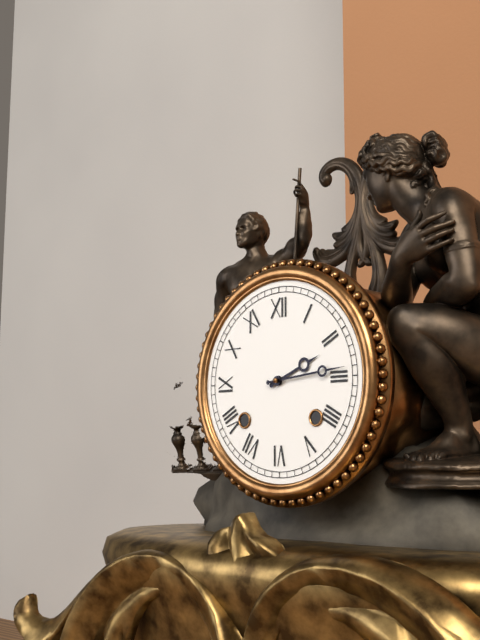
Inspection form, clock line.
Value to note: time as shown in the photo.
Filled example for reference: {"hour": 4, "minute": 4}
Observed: {"hour": 2, "minute": 14}
